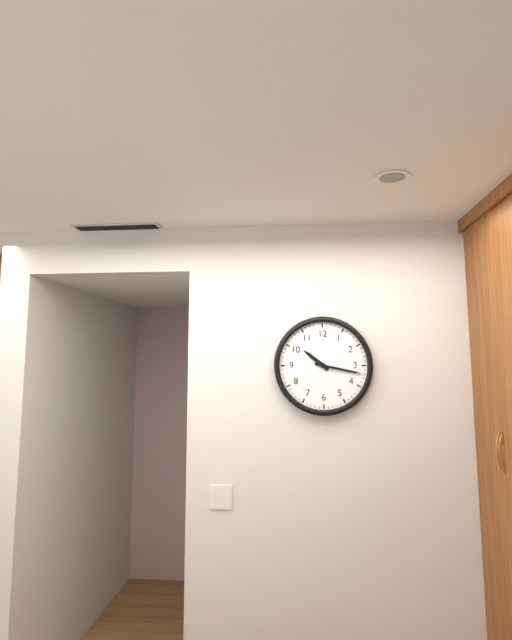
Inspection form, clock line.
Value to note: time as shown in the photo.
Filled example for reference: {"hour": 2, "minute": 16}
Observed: {"hour": 10, "minute": 17}
